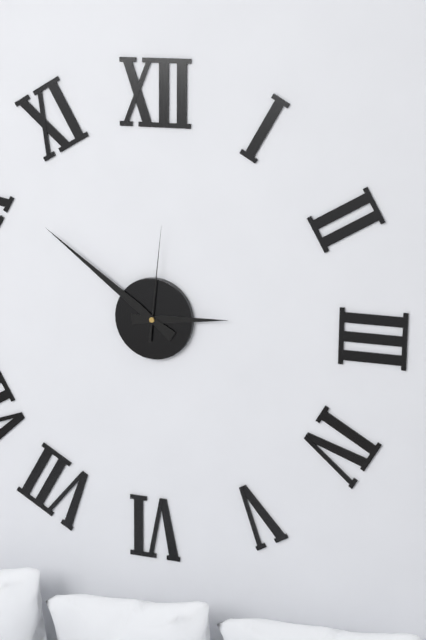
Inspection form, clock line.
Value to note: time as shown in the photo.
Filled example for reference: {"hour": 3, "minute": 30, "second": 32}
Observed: {"hour": 2, "minute": 51, "second": 1}
